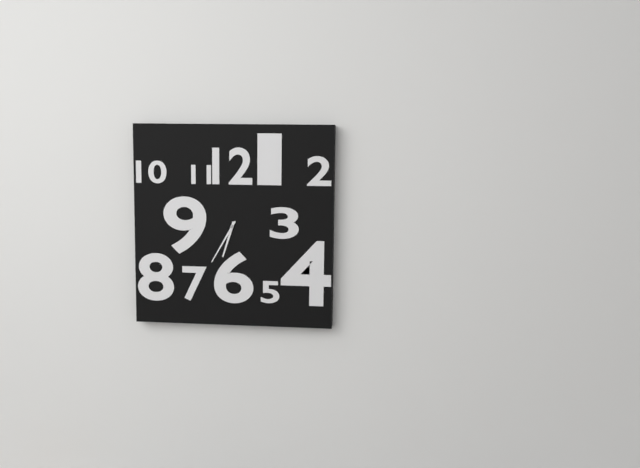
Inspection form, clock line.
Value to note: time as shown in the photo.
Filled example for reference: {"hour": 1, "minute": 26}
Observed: {"hour": 6, "minute": 35}
